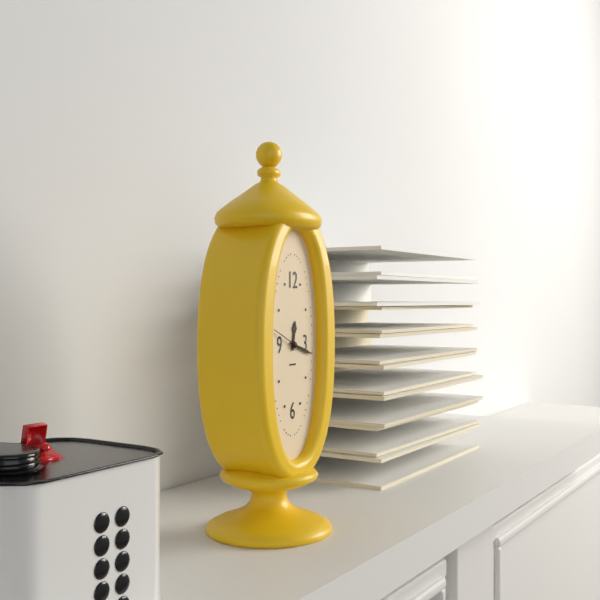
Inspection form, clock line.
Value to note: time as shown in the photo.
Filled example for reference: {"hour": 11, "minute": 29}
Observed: {"hour": 12, "minute": 18}
